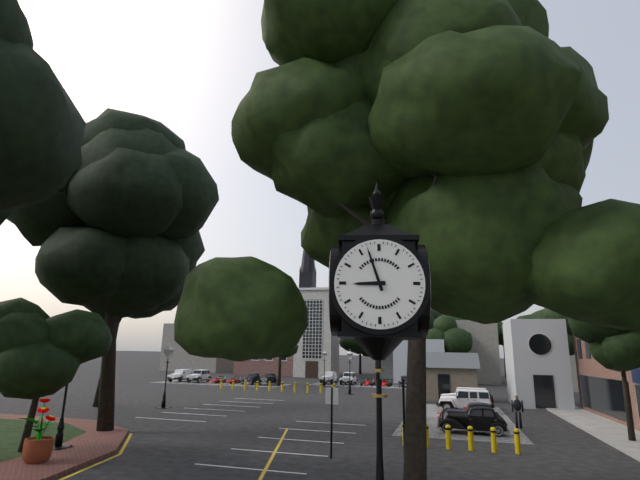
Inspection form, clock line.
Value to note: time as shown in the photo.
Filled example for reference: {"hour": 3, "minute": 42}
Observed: {"hour": 8, "minute": 57}
